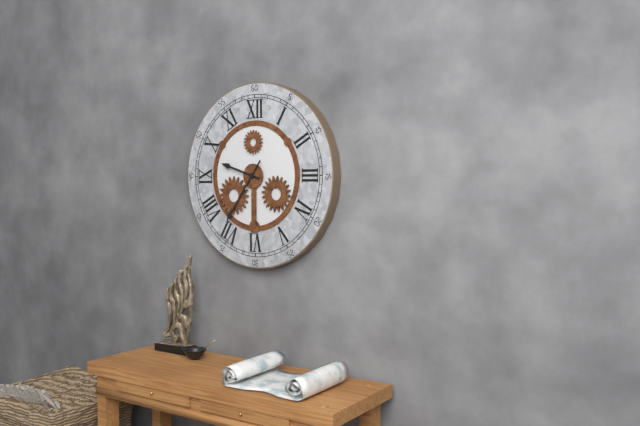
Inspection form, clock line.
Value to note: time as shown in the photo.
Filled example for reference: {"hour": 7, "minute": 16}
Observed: {"hour": 9, "minute": 36}
